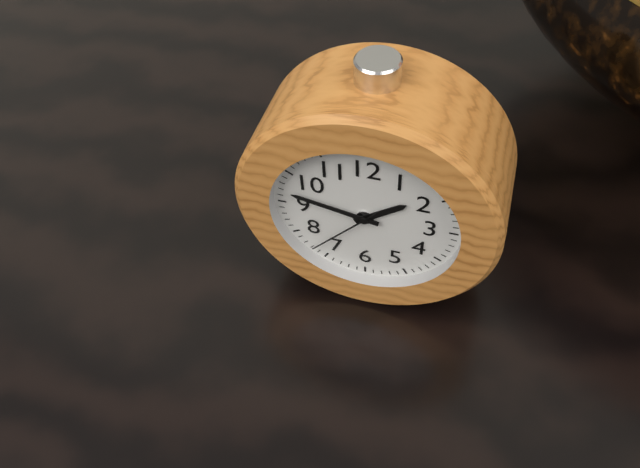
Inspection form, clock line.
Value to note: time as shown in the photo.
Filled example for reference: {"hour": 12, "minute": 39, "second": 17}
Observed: {"hour": 1, "minute": 47, "second": 37}
